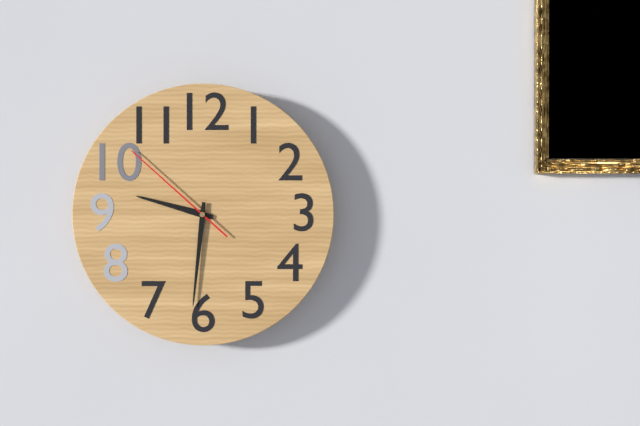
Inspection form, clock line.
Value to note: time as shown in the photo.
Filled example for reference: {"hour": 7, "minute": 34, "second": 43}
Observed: {"hour": 9, "minute": 31, "second": 52}
